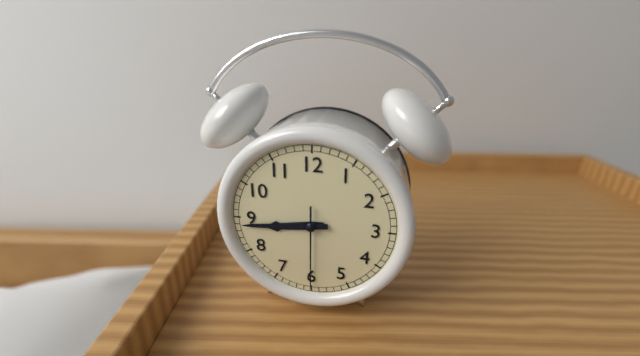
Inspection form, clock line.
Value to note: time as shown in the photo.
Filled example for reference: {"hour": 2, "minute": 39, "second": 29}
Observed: {"hour": 8, "minute": 44, "second": 30}
